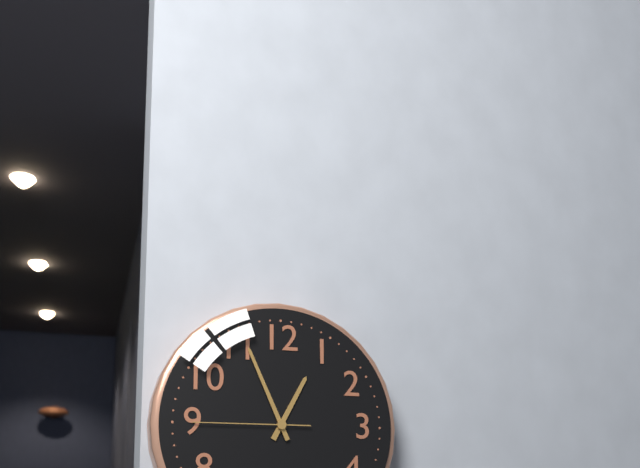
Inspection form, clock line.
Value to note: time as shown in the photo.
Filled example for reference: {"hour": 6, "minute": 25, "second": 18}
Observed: {"hour": 12, "minute": 56, "second": 45}
